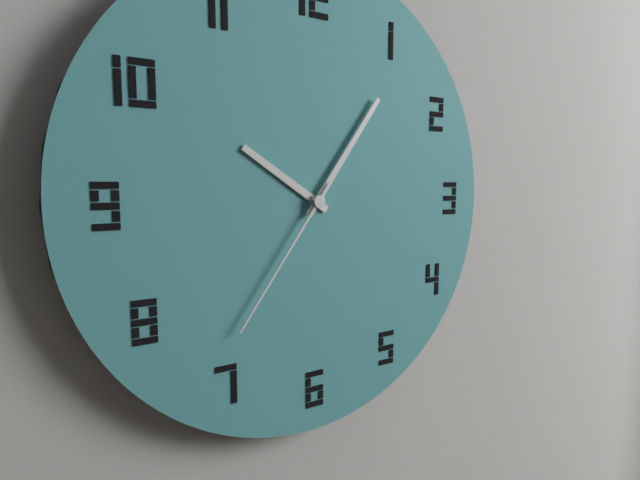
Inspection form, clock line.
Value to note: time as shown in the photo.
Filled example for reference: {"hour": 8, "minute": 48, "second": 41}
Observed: {"hour": 10, "minute": 6, "second": 36}
